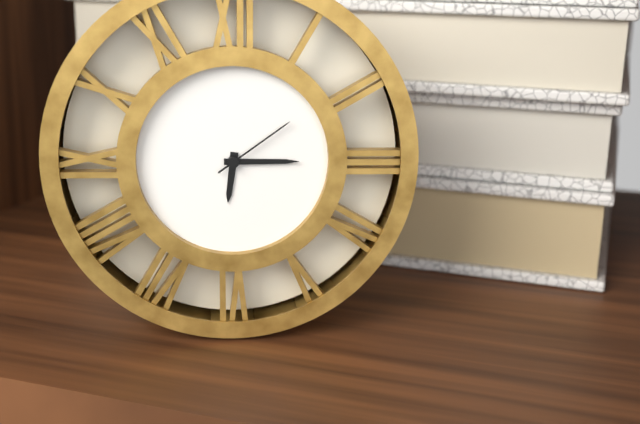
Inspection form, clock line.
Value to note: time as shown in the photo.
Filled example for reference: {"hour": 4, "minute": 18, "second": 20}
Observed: {"hour": 6, "minute": 15, "second": 9}
